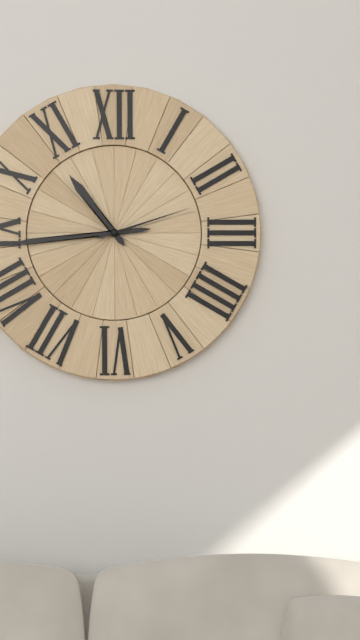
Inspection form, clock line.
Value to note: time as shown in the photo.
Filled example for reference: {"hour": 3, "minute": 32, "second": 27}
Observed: {"hour": 10, "minute": 44, "second": 12}
